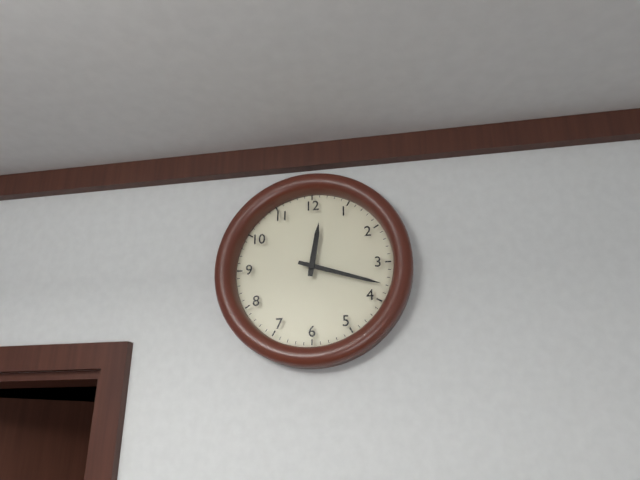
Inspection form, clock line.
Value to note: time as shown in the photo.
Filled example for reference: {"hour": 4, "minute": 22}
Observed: {"hour": 12, "minute": 18}
